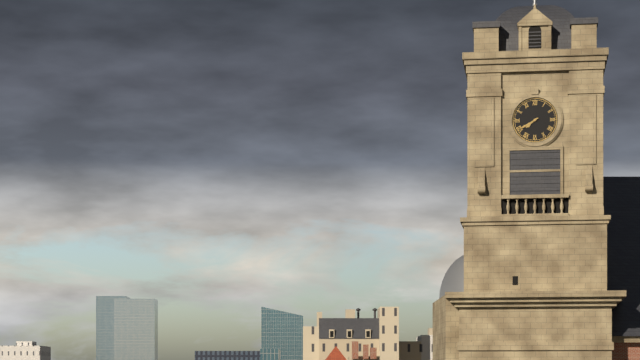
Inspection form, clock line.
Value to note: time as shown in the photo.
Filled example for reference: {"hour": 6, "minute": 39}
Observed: {"hour": 7, "minute": 40}
